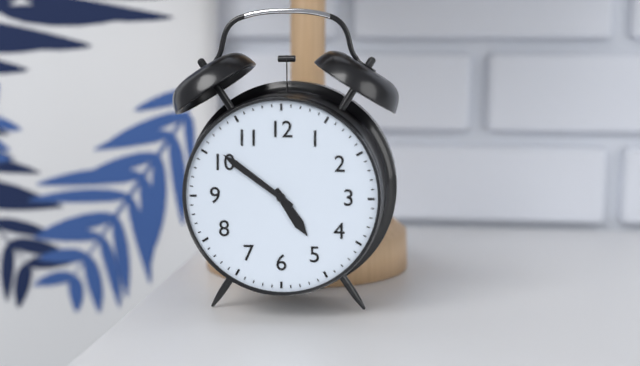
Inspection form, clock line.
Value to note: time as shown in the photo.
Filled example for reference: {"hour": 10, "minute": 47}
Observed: {"hour": 4, "minute": 51}
